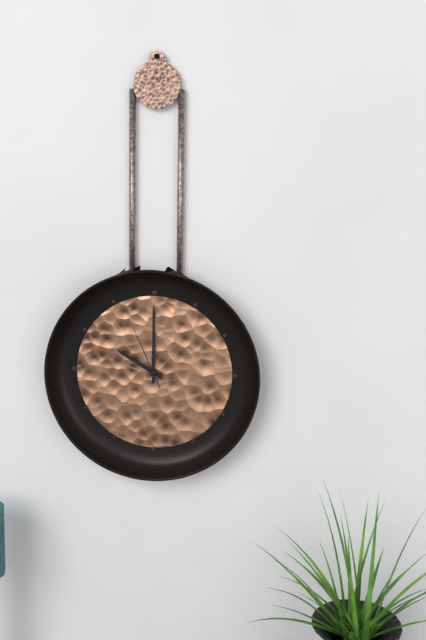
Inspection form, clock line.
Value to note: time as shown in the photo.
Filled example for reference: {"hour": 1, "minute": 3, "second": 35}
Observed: {"hour": 10, "minute": 0, "second": 56}
